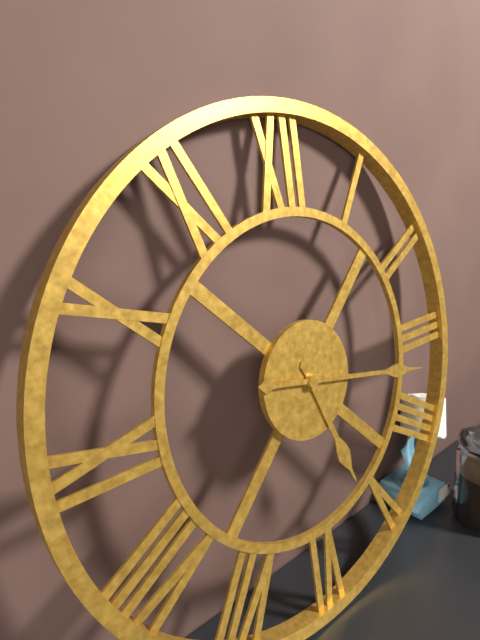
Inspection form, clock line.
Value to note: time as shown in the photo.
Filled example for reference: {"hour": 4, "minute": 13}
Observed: {"hour": 5, "minute": 17}
